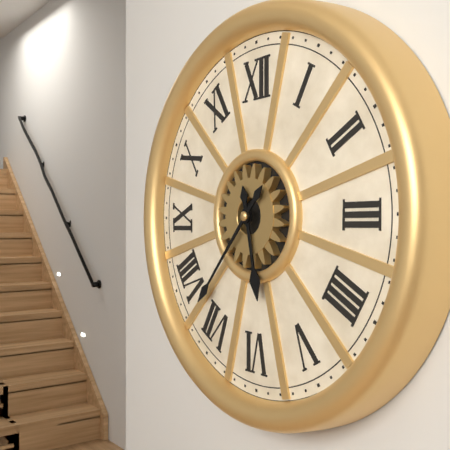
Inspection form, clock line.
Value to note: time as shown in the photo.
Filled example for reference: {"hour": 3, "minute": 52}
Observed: {"hour": 5, "minute": 37}
